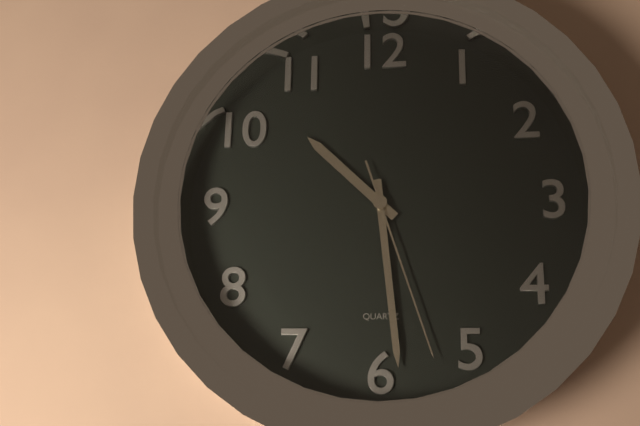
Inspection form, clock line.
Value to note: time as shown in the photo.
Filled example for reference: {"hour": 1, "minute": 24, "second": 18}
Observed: {"hour": 10, "minute": 29, "second": 27}
